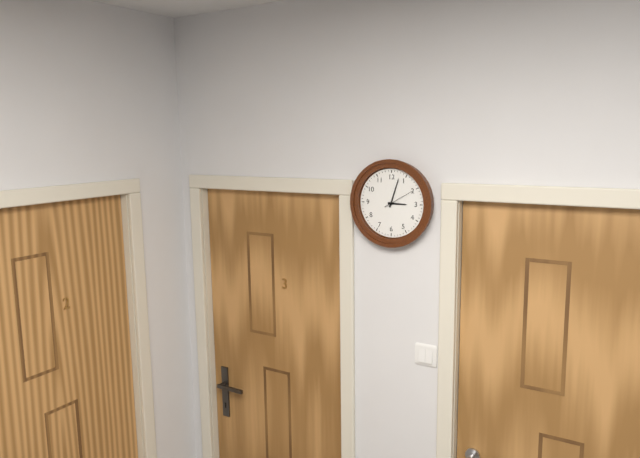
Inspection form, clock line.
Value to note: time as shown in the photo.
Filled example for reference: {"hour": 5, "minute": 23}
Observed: {"hour": 3, "minute": 3}
